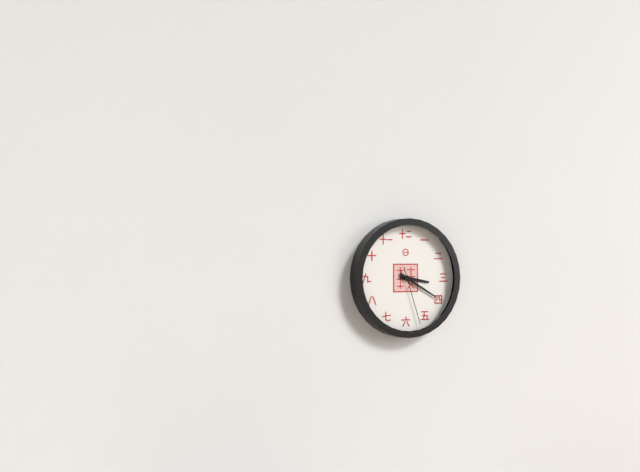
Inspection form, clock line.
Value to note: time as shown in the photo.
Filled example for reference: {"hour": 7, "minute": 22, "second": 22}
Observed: {"hour": 3, "minute": 20, "second": 27}
